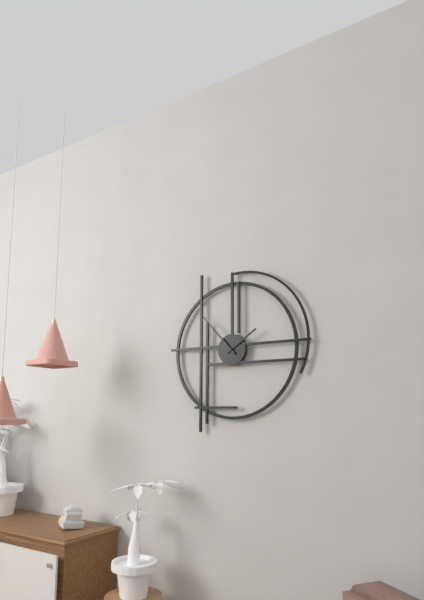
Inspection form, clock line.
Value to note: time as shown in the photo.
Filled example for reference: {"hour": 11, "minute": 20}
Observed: {"hour": 1, "minute": 53}
